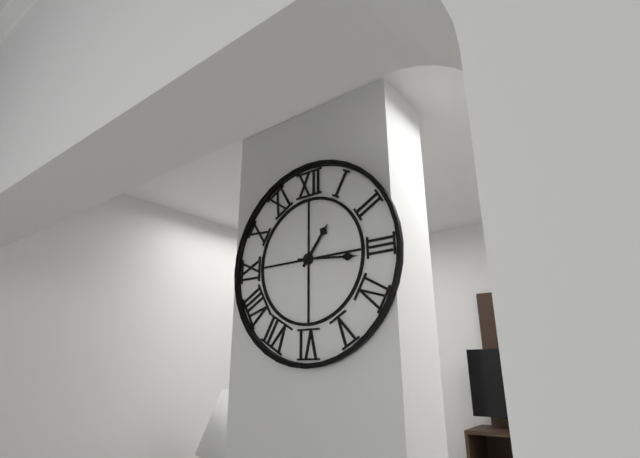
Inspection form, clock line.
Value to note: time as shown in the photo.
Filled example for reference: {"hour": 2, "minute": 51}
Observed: {"hour": 1, "minute": 16}
